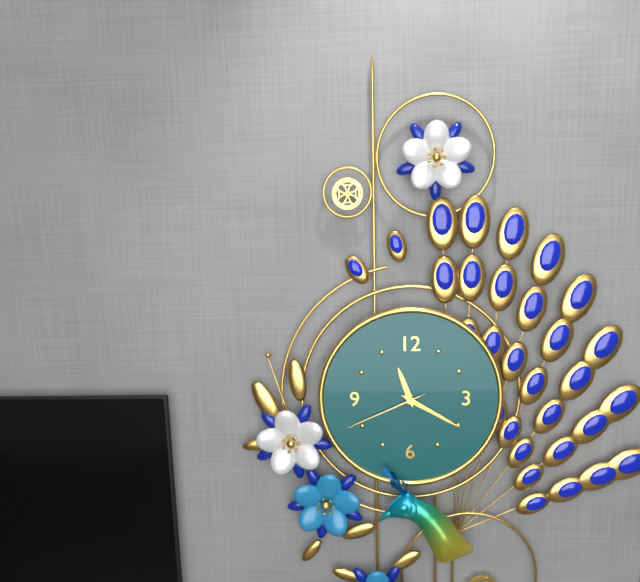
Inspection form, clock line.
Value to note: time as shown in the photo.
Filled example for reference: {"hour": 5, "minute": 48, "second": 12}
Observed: {"hour": 11, "minute": 20, "second": 41}
